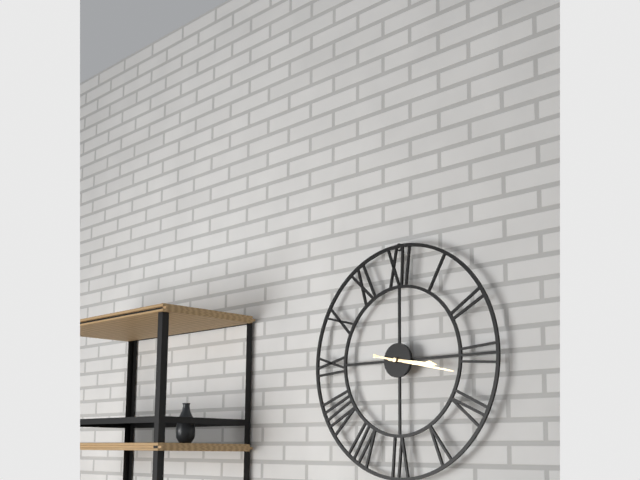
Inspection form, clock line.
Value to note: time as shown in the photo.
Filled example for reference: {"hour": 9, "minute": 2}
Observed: {"hour": 3, "minute": 17}
